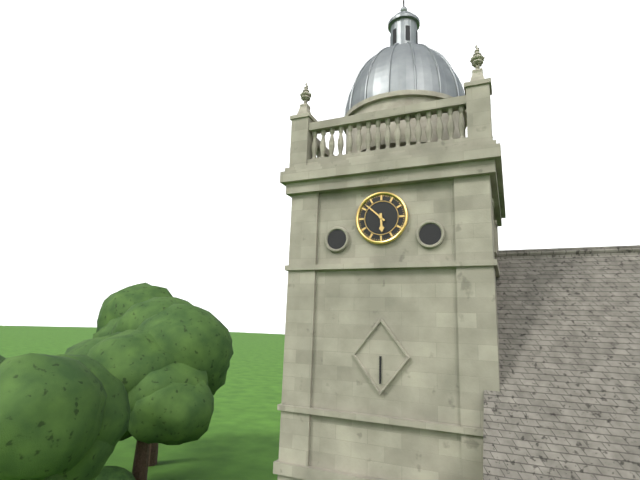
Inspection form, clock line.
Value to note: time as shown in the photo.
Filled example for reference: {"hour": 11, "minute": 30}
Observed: {"hour": 5, "minute": 52}
